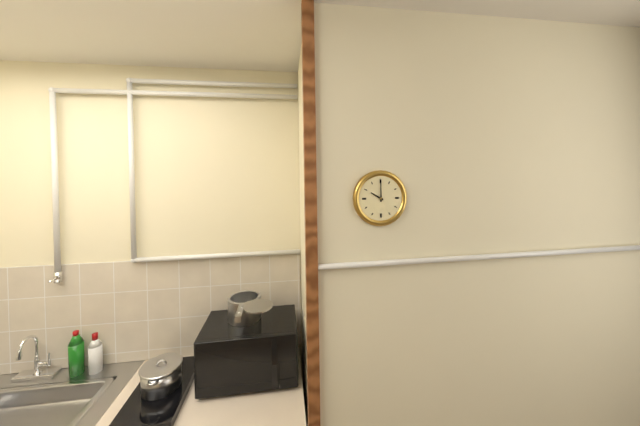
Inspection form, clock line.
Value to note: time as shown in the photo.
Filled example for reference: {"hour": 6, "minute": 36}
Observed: {"hour": 10, "minute": 0}
